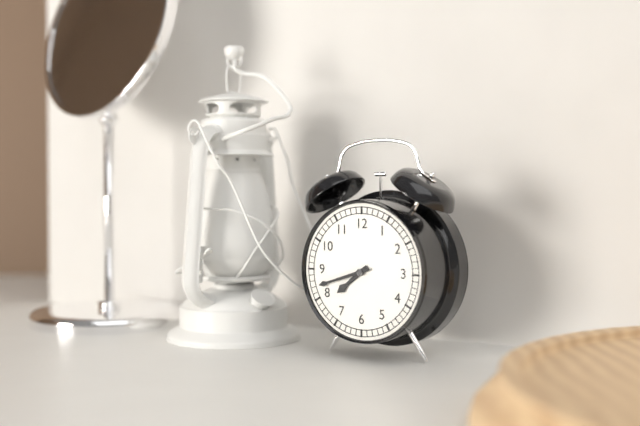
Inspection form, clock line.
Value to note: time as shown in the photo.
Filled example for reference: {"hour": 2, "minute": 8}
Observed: {"hour": 7, "minute": 42}
